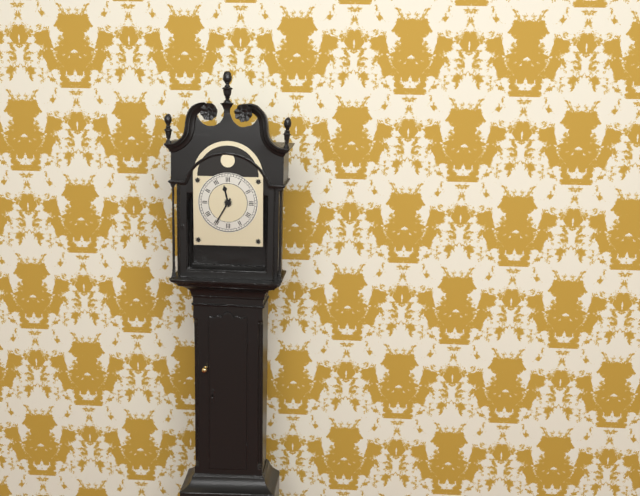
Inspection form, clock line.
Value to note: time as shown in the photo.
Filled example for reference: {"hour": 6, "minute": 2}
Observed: {"hour": 11, "minute": 35}
